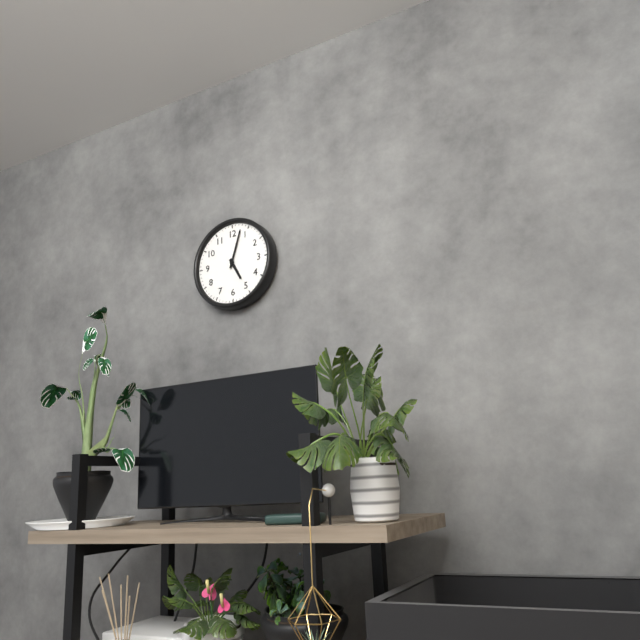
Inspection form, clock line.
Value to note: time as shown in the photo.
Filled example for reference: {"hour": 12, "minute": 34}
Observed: {"hour": 5, "minute": 3}
